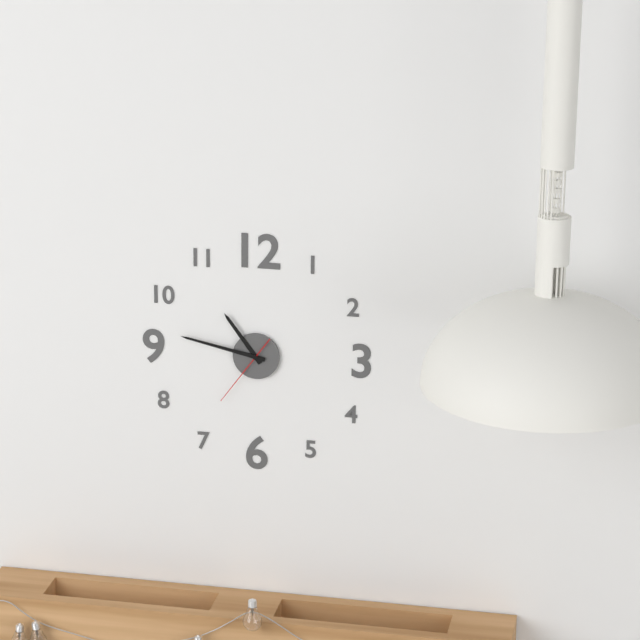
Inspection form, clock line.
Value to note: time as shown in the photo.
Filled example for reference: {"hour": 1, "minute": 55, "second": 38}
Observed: {"hour": 10, "minute": 47, "second": 36}
